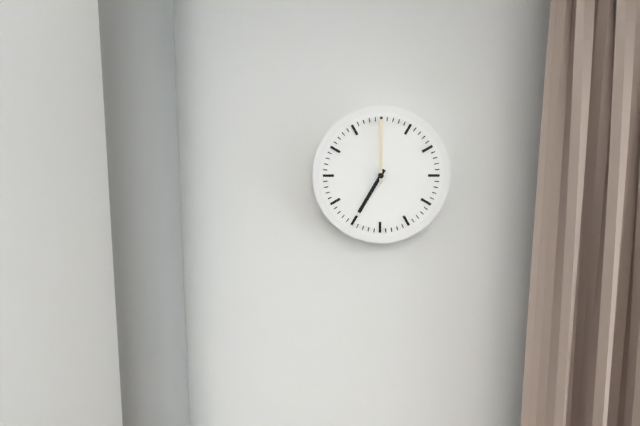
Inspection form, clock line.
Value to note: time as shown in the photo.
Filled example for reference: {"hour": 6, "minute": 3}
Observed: {"hour": 7, "minute": 0}
